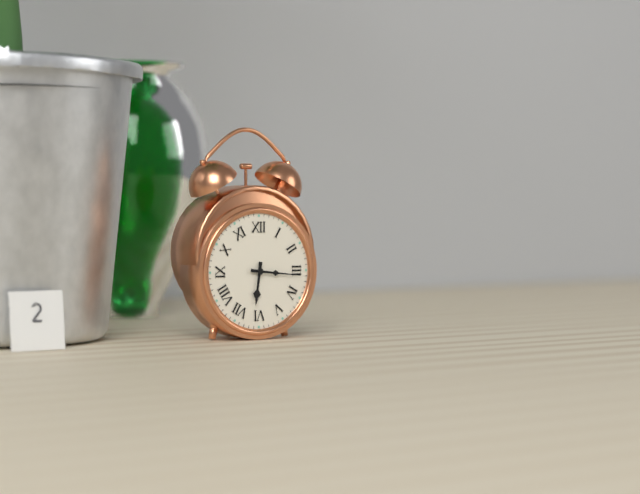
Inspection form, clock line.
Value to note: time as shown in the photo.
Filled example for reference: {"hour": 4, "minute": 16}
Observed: {"hour": 6, "minute": 16}
